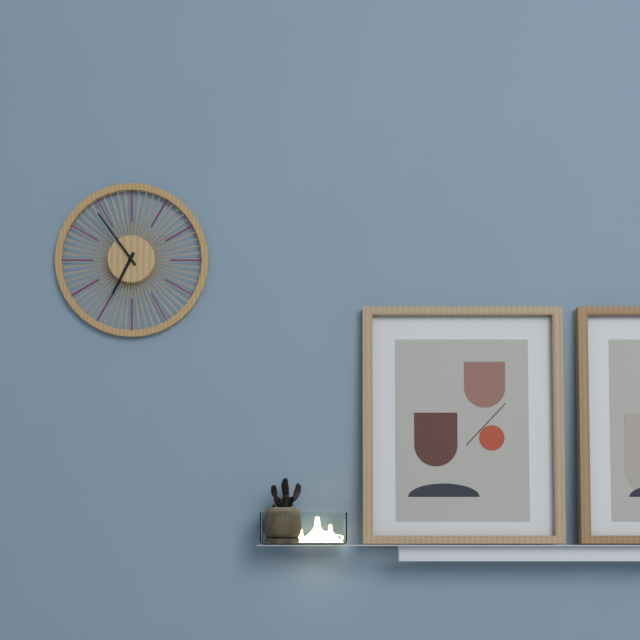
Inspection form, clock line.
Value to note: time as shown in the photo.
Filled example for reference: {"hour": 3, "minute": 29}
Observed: {"hour": 6, "minute": 54}
